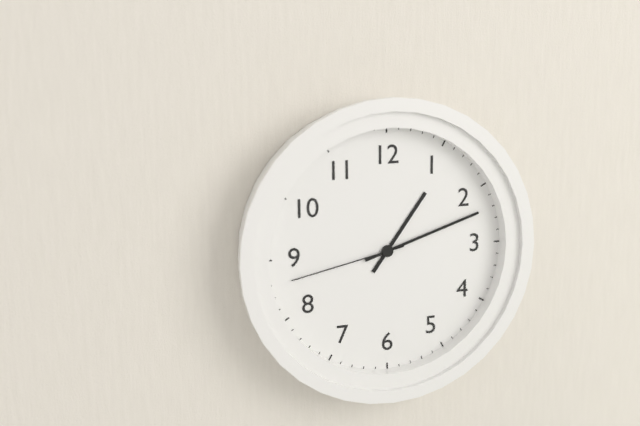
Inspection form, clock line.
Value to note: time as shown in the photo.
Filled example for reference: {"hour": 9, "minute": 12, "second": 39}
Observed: {"hour": 1, "minute": 12, "second": 43}
